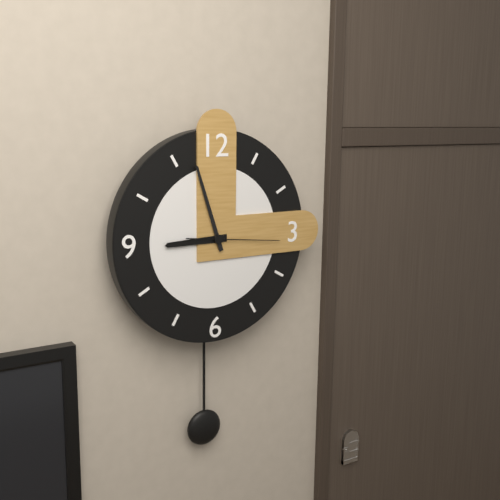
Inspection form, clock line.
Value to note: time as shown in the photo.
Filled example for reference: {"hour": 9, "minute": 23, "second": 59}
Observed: {"hour": 8, "minute": 57, "second": 16}
